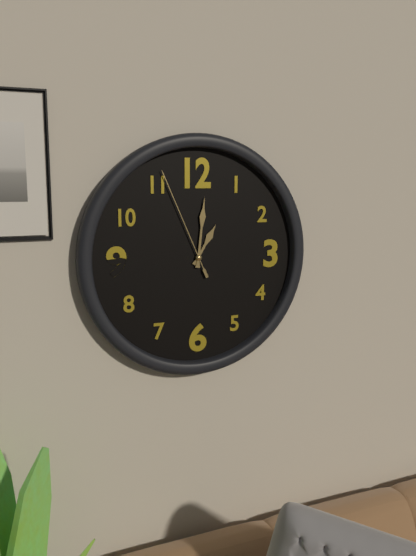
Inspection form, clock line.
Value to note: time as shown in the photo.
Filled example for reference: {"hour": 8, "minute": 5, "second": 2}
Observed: {"hour": 1, "minute": 1, "second": 56}
